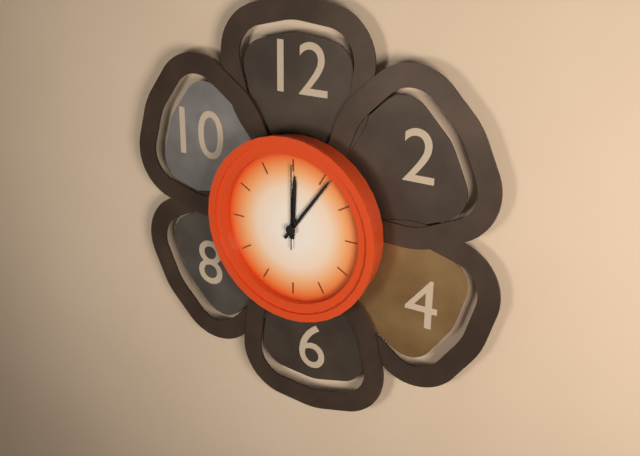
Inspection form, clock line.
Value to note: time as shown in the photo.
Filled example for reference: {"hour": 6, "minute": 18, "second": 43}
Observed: {"hour": 12, "minute": 6, "second": 0}
